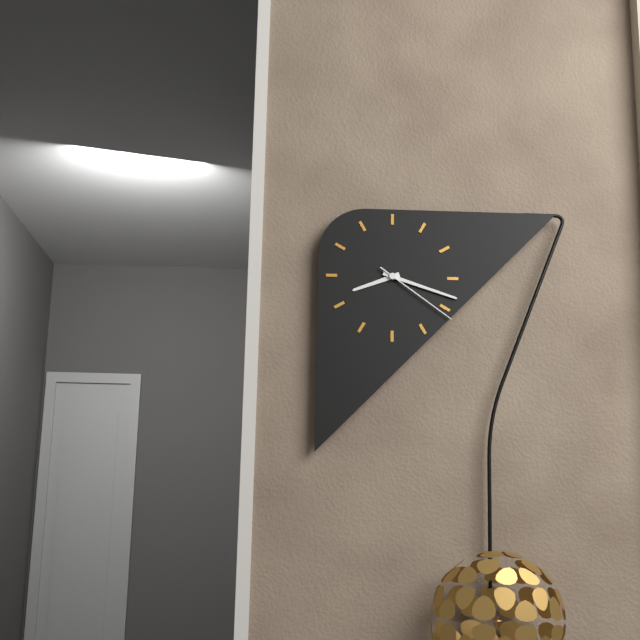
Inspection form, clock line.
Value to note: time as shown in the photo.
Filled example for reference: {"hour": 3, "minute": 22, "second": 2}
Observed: {"hour": 8, "minute": 18, "second": 21}
